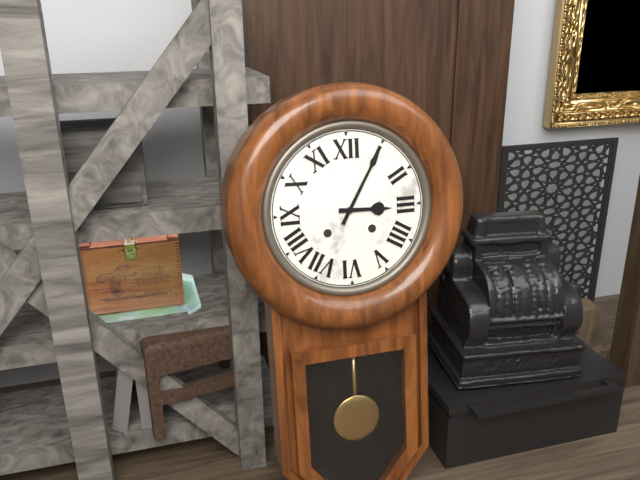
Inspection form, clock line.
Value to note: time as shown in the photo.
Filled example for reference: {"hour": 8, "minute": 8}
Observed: {"hour": 3, "minute": 5}
